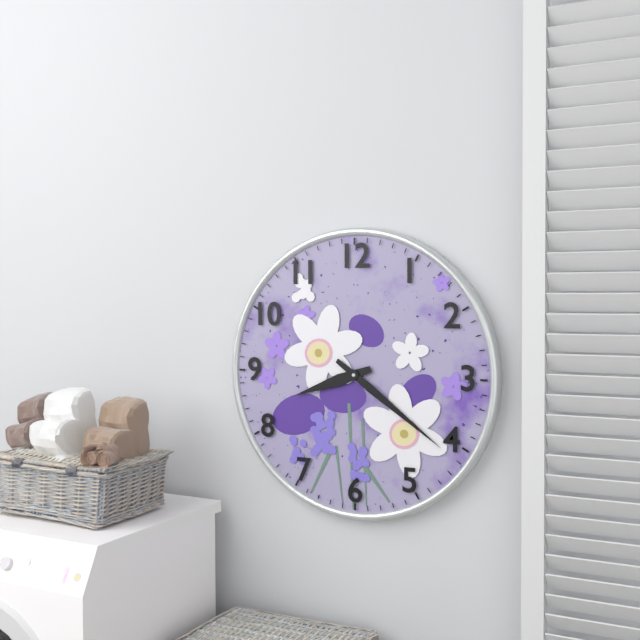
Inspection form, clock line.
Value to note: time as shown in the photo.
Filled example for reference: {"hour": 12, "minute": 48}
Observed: {"hour": 8, "minute": 21}
